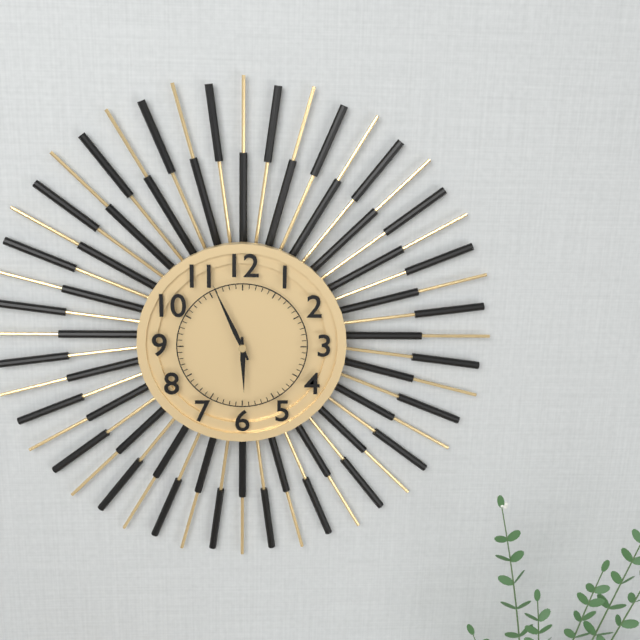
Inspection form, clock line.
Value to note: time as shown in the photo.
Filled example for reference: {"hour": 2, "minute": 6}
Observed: {"hour": 5, "minute": 56}
